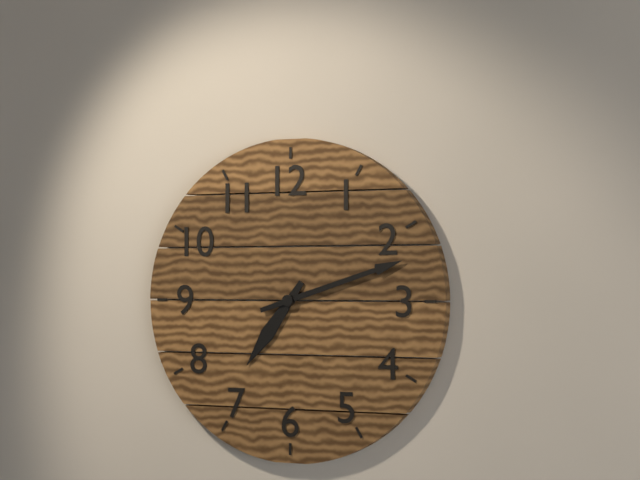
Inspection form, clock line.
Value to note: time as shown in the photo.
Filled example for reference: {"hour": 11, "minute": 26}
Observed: {"hour": 7, "minute": 12}
